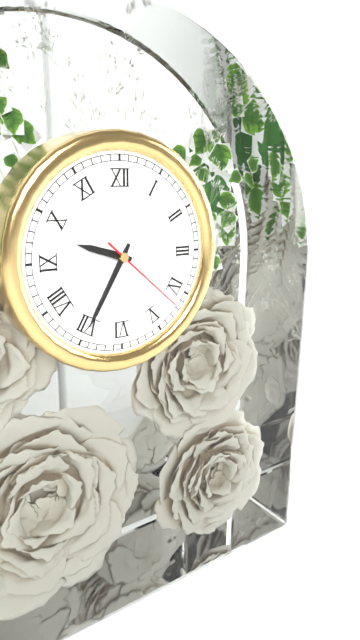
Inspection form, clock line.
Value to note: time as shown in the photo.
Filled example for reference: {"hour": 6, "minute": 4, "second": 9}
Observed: {"hour": 9, "minute": 35, "second": 22}
